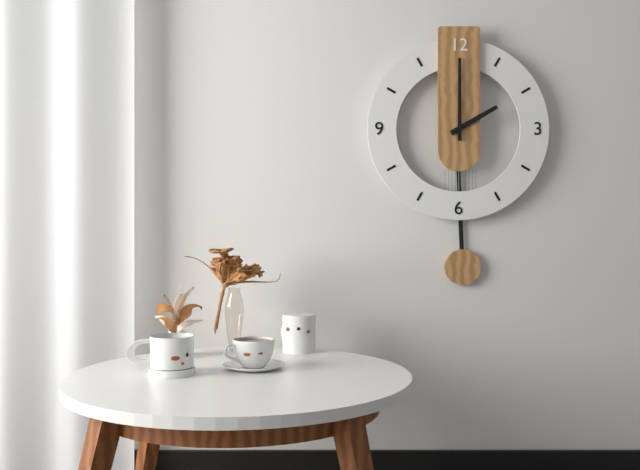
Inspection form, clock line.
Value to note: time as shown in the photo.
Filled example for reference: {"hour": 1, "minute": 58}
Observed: {"hour": 2, "minute": 0}
